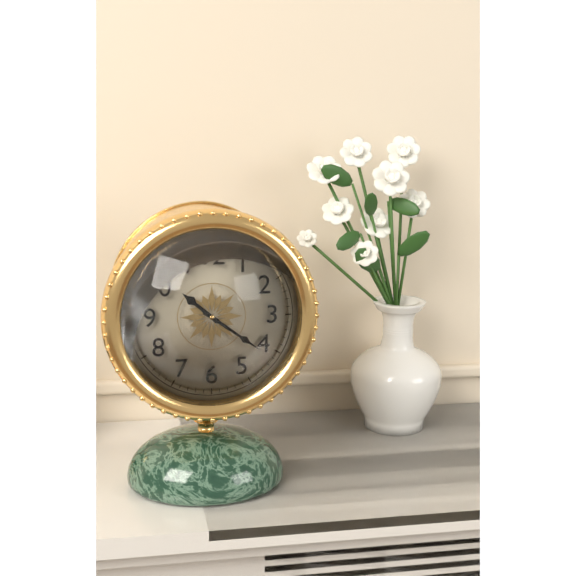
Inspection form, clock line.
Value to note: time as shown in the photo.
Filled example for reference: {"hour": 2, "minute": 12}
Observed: {"hour": 10, "minute": 21}
